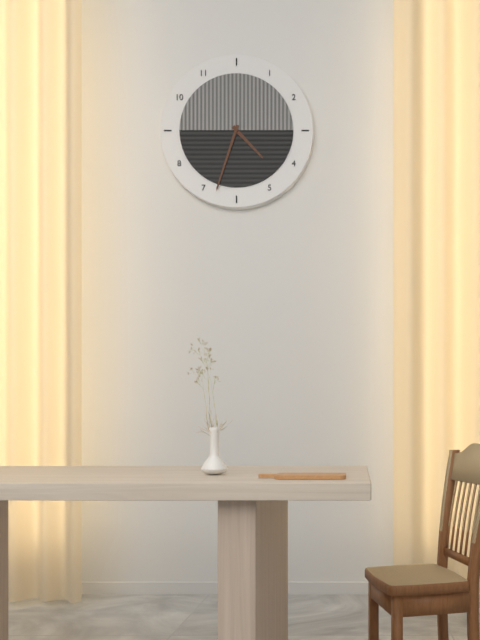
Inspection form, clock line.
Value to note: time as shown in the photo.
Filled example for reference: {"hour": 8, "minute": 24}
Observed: {"hour": 4, "minute": 33}
